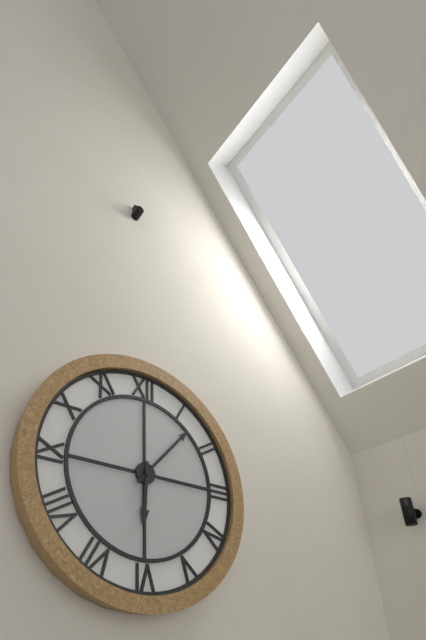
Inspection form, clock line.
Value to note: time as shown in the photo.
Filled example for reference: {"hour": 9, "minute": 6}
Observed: {"hour": 6, "minute": 7}
